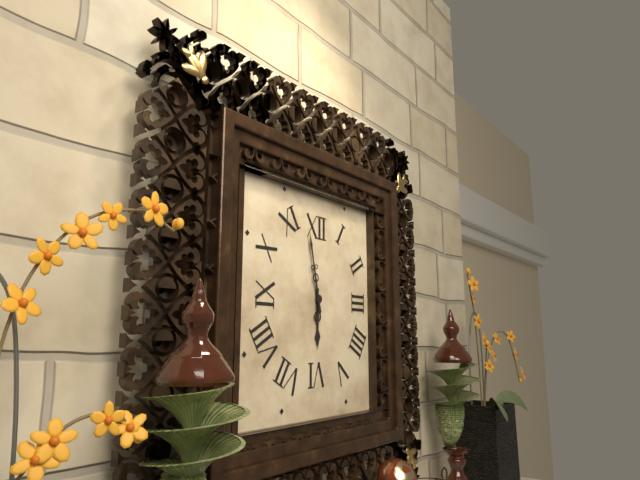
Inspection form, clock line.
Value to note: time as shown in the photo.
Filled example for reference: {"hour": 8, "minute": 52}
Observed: {"hour": 5, "minute": 58}
